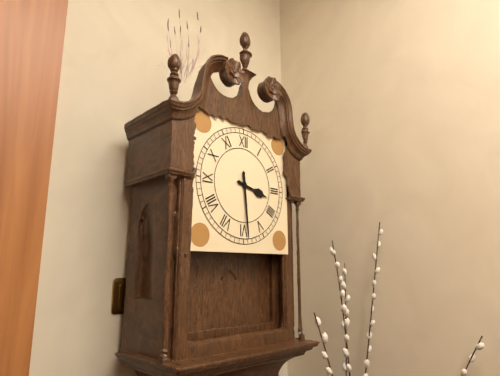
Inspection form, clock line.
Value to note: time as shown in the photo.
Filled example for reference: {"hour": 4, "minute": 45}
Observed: {"hour": 3, "minute": 29}
